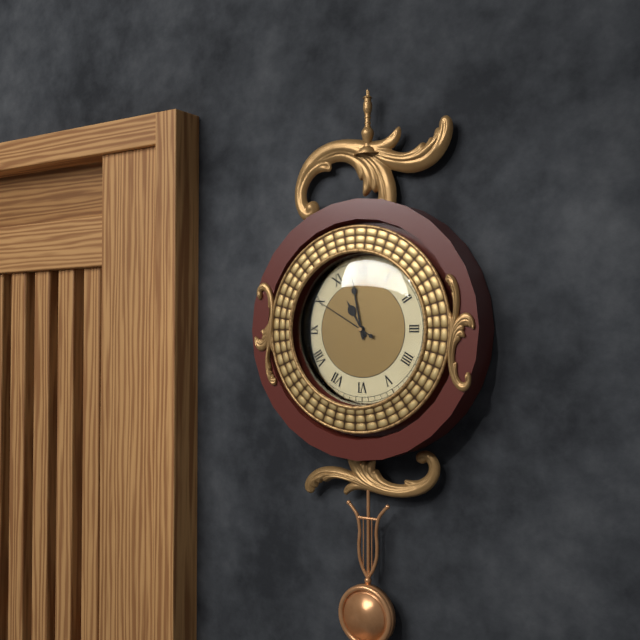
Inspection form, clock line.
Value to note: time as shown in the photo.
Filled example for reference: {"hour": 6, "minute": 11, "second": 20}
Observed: {"hour": 10, "minute": 58, "second": 50}
